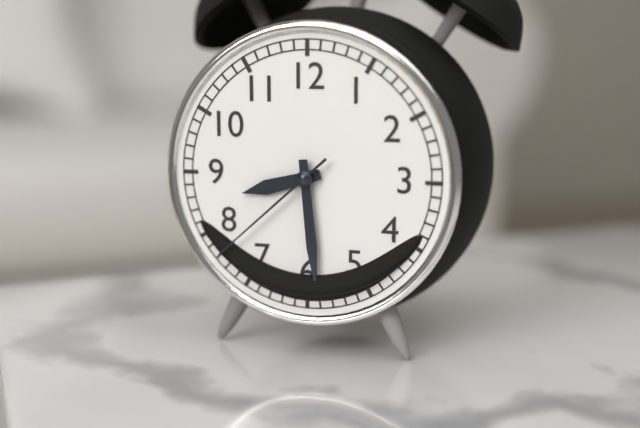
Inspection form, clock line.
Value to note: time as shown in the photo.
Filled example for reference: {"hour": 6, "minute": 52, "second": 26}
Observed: {"hour": 8, "minute": 29, "second": 38}
